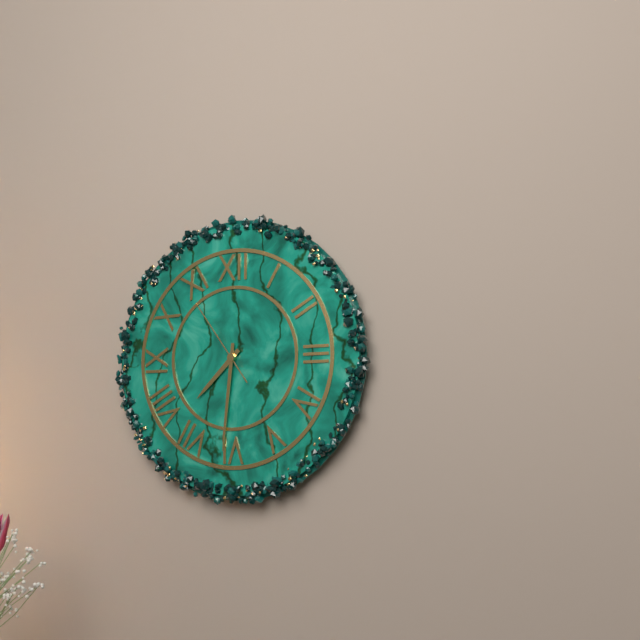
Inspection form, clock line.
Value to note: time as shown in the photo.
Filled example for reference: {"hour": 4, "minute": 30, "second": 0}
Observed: {"hour": 7, "minute": 31, "second": 54}
